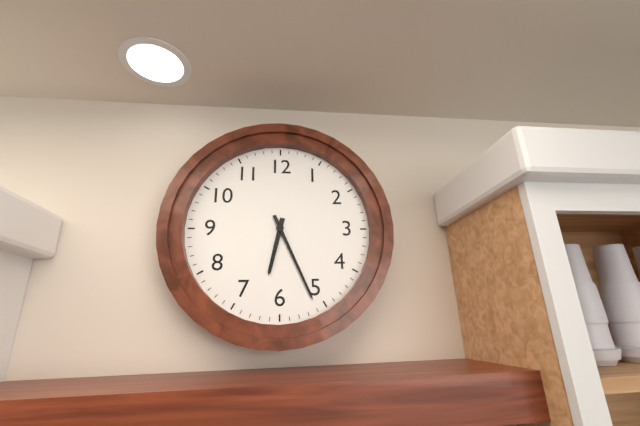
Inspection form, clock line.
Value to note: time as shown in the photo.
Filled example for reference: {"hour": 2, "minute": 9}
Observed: {"hour": 6, "minute": 26}
